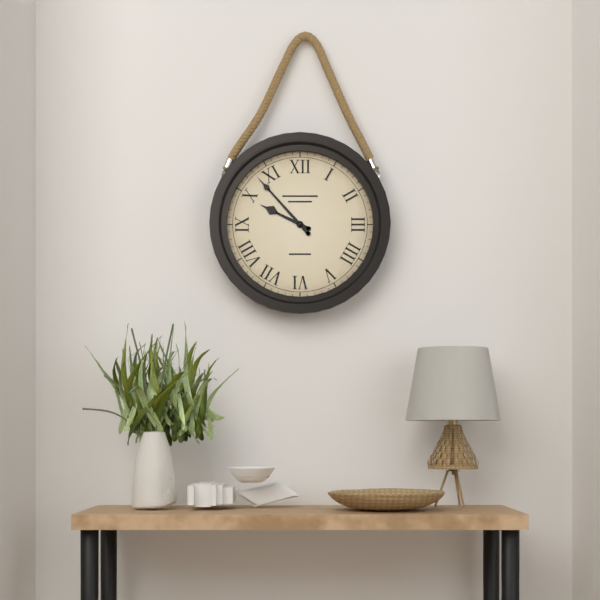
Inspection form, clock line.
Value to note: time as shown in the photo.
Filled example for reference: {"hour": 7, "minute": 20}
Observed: {"hour": 9, "minute": 53}
